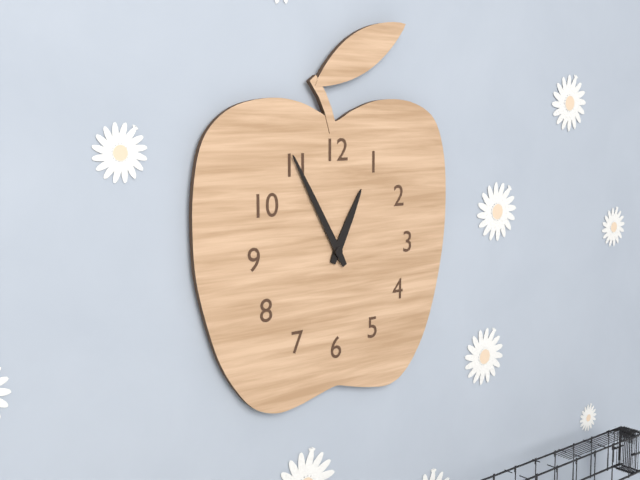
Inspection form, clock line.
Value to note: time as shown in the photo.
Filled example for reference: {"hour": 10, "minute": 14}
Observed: {"hour": 12, "minute": 55}
